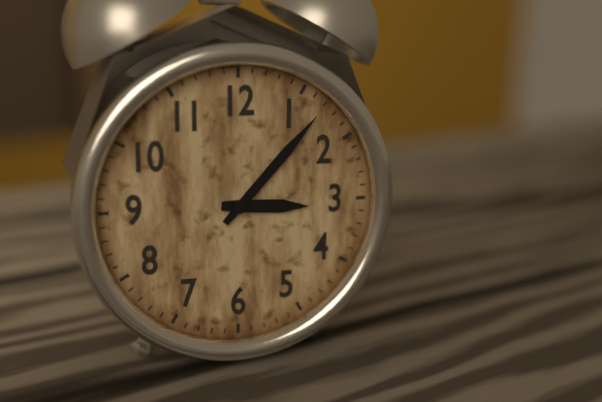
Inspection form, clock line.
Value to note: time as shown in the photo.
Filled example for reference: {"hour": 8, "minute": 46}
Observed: {"hour": 3, "minute": 7}
